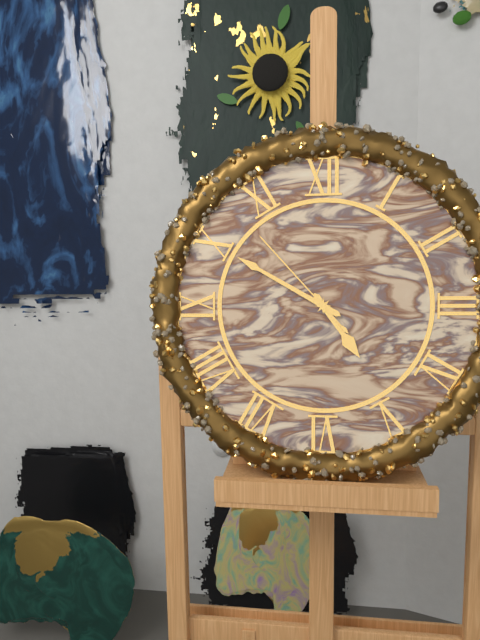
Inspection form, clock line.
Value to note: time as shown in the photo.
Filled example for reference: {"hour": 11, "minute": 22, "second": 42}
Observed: {"hour": 4, "minute": 50, "second": 53}
